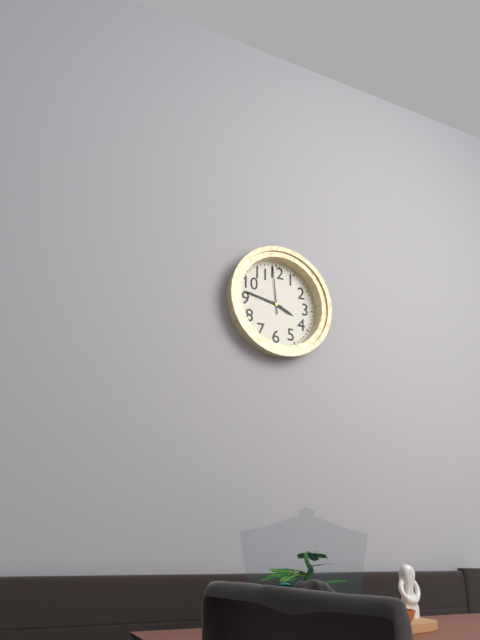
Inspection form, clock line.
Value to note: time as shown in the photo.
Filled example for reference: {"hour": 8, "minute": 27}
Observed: {"hour": 3, "minute": 47}
